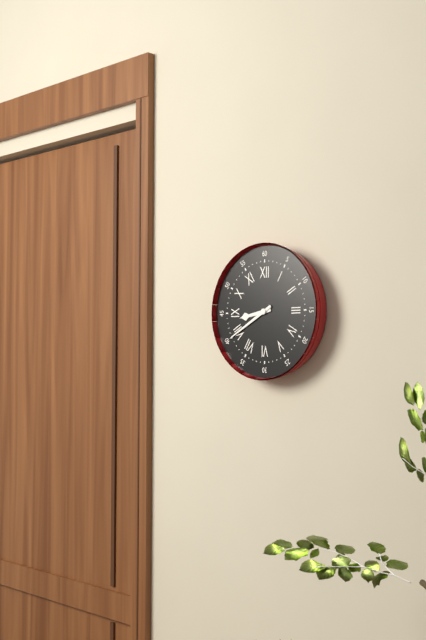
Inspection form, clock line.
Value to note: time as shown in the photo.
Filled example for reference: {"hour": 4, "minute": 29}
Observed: {"hour": 8, "minute": 40}
